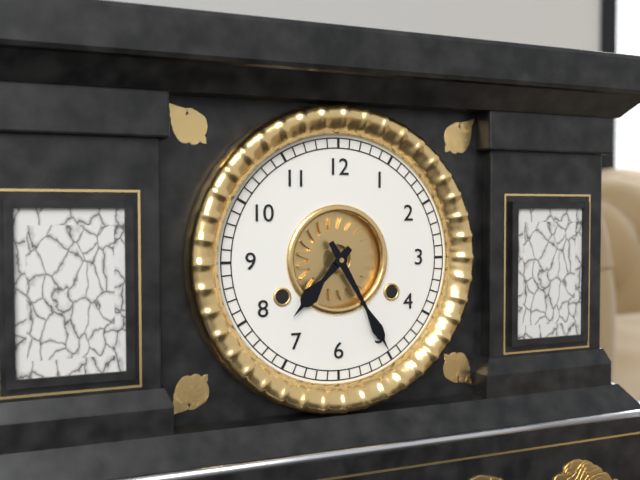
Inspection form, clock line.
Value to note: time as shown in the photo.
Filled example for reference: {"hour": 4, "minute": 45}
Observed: {"hour": 7, "minute": 25}
